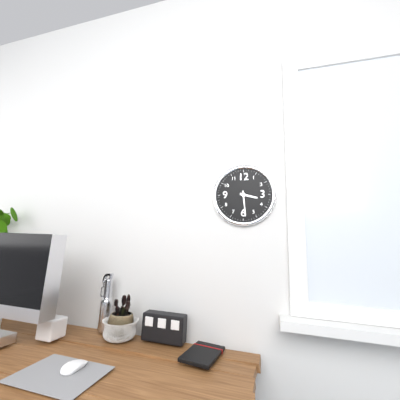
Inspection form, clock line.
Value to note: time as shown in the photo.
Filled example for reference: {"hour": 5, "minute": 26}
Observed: {"hour": 3, "minute": 29}
